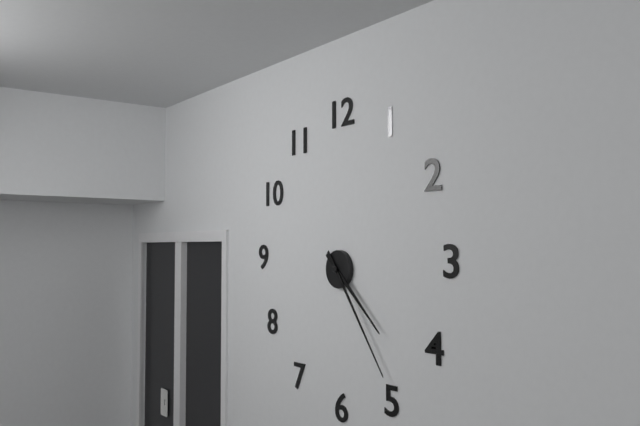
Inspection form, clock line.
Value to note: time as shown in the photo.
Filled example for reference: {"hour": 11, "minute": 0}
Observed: {"hour": 4, "minute": 24}
